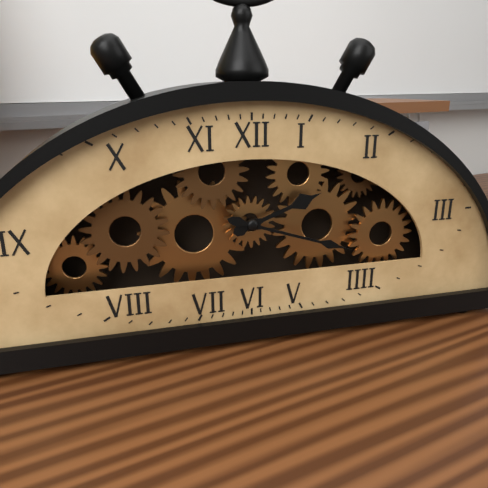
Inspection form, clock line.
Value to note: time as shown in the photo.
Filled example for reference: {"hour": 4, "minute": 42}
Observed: {"hour": 2, "minute": 18}
